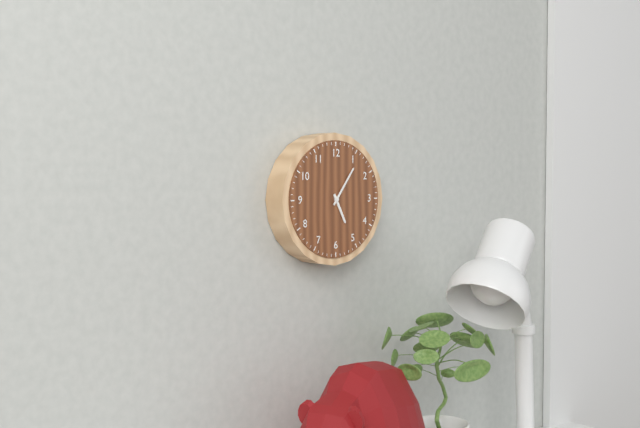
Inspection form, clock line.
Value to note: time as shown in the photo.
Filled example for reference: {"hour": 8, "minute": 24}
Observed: {"hour": 5, "minute": 6}
